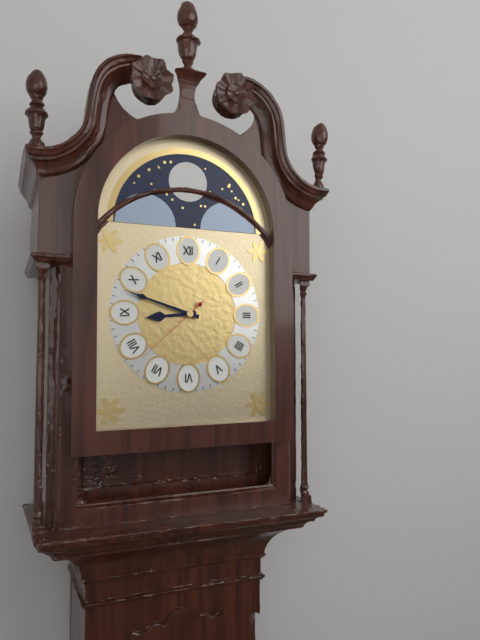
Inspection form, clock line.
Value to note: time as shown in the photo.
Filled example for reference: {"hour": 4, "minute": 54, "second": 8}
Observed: {"hour": 8, "minute": 48, "second": 38}
